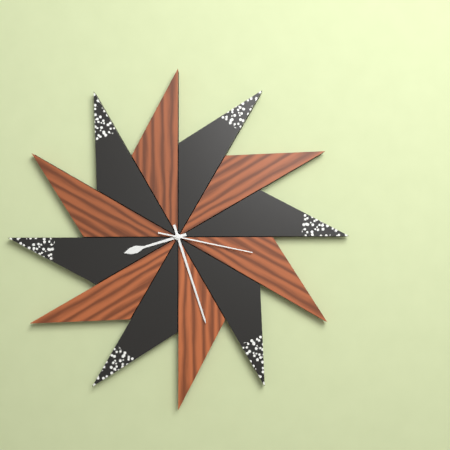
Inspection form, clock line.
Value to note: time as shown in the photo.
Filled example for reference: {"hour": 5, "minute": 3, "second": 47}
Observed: {"hour": 8, "minute": 27, "second": 17}
